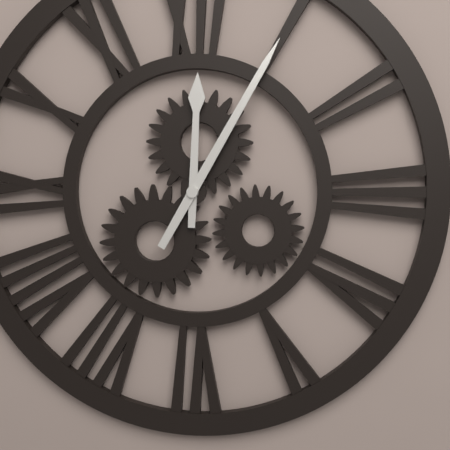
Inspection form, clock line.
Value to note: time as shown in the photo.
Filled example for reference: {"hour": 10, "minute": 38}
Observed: {"hour": 12, "minute": 5}
